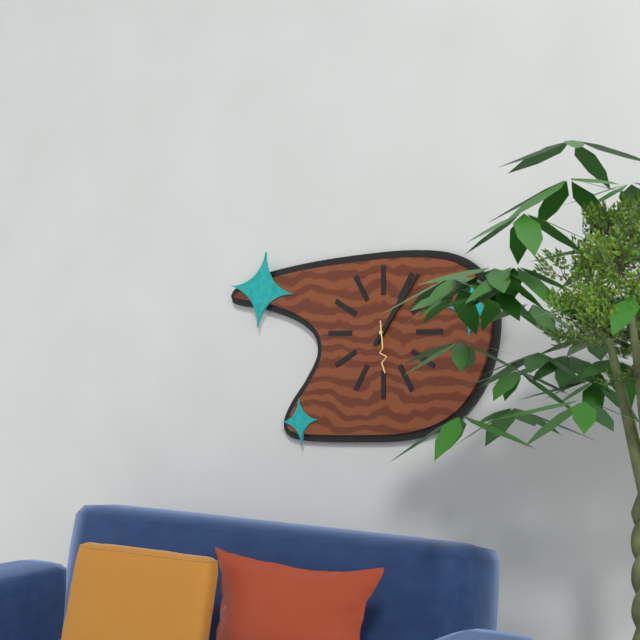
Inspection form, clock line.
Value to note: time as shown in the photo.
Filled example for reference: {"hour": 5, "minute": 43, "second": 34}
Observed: {"hour": 1, "minute": 6, "second": 29}
